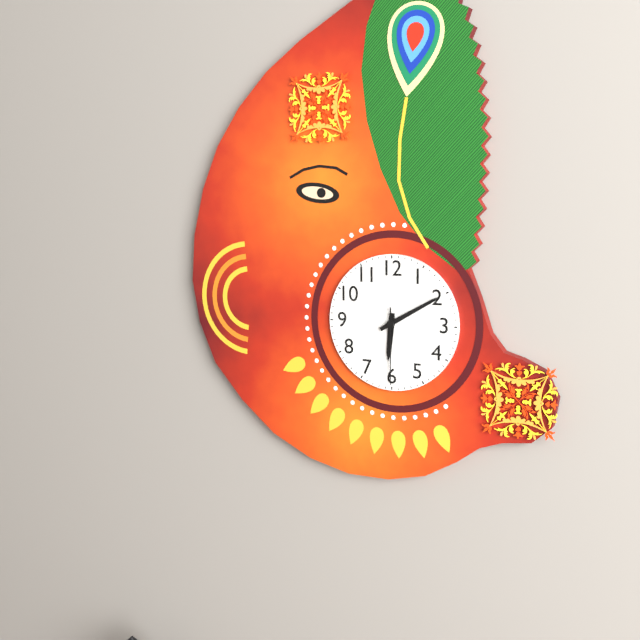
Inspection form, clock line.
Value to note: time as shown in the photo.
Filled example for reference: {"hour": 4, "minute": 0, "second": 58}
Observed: {"hour": 6, "minute": 10, "second": 30}
